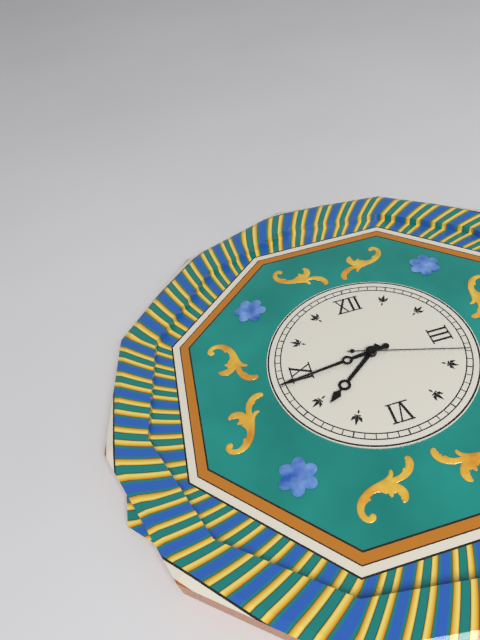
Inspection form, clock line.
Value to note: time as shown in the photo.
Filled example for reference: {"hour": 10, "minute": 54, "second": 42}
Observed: {"hour": 7, "minute": 44, "second": 18}
